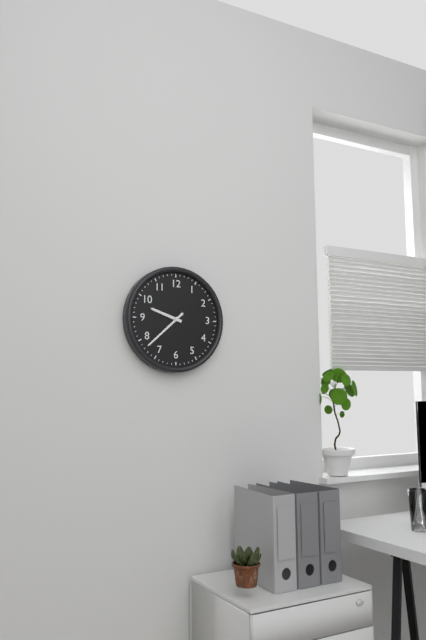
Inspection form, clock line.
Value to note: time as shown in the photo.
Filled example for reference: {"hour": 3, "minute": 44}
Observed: {"hour": 9, "minute": 38}
